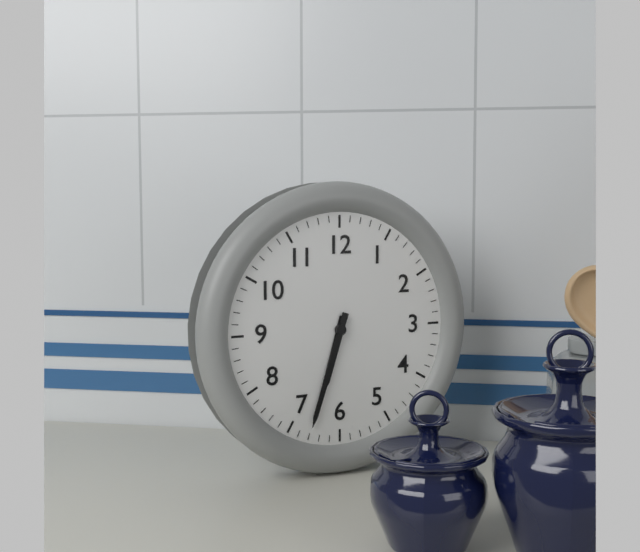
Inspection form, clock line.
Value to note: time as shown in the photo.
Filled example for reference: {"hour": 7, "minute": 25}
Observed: {"hour": 6, "minute": 33}
